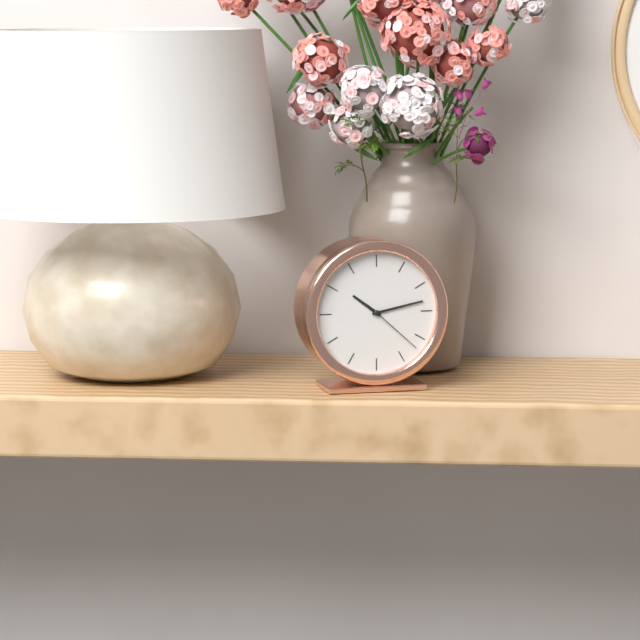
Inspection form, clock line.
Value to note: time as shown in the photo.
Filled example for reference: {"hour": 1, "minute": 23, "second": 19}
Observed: {"hour": 10, "minute": 13, "second": 22}
